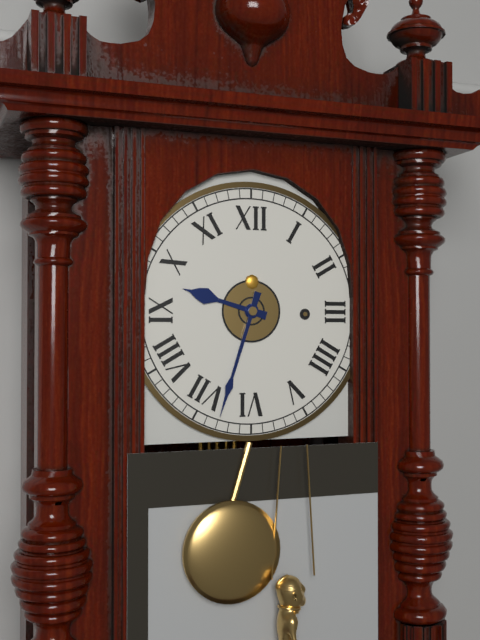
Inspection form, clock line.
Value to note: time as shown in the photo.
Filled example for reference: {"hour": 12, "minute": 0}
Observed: {"hour": 9, "minute": 33}
